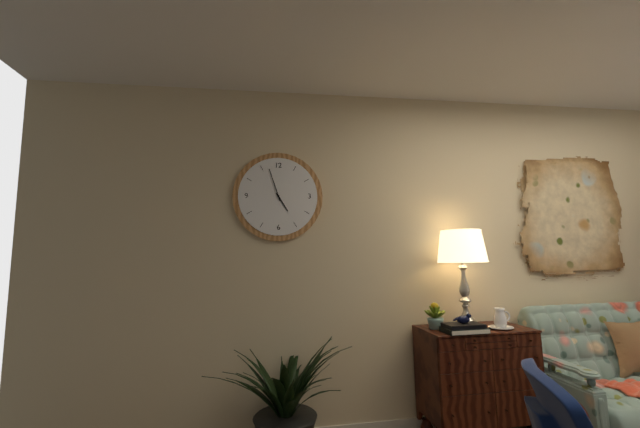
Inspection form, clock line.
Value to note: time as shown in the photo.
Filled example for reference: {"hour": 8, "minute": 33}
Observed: {"hour": 4, "minute": 57}
